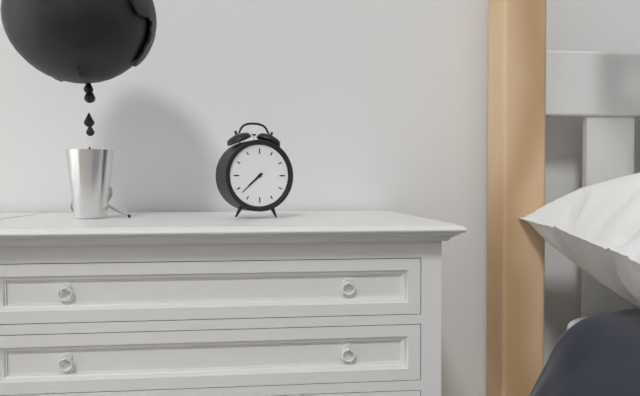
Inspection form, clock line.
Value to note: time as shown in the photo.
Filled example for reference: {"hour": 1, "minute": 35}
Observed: {"hour": 7, "minute": 38}
